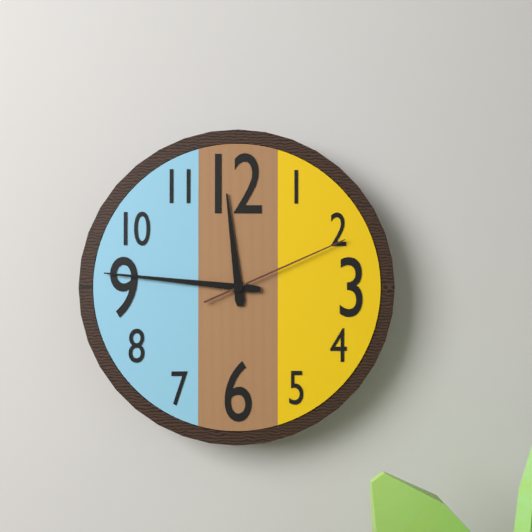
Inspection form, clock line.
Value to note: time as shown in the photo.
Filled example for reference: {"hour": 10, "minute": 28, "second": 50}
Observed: {"hour": 11, "minute": 46, "second": 11}
